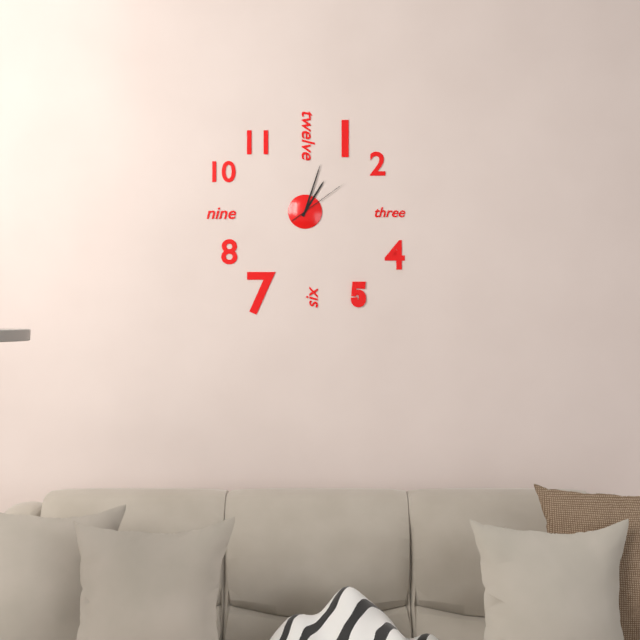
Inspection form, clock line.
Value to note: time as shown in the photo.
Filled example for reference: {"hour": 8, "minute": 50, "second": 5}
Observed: {"hour": 1, "minute": 3, "second": 9}
